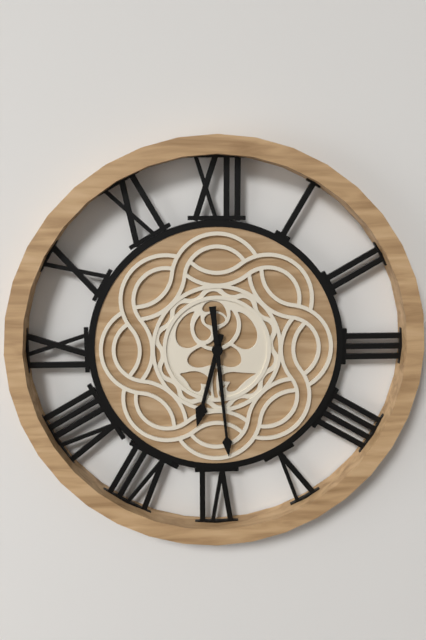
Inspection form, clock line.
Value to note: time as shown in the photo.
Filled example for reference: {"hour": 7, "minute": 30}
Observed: {"hour": 6, "minute": 29}
